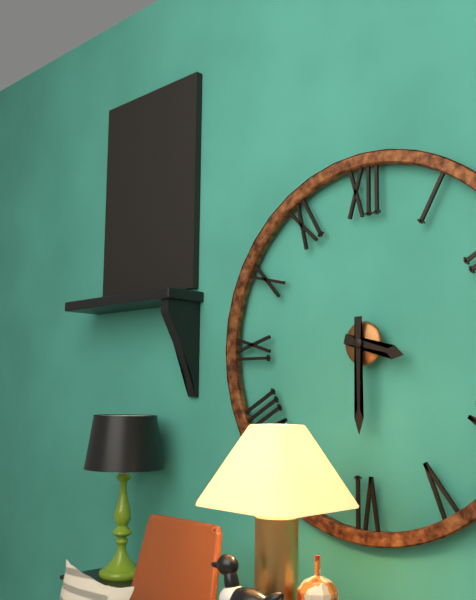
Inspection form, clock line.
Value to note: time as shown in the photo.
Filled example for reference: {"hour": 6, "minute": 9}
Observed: {"hour": 3, "minute": 30}
